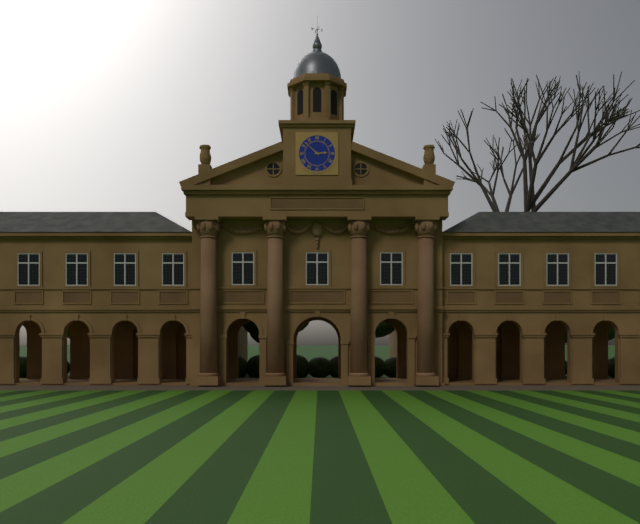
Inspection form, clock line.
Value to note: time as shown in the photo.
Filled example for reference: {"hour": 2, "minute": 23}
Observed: {"hour": 2, "minute": 52}
